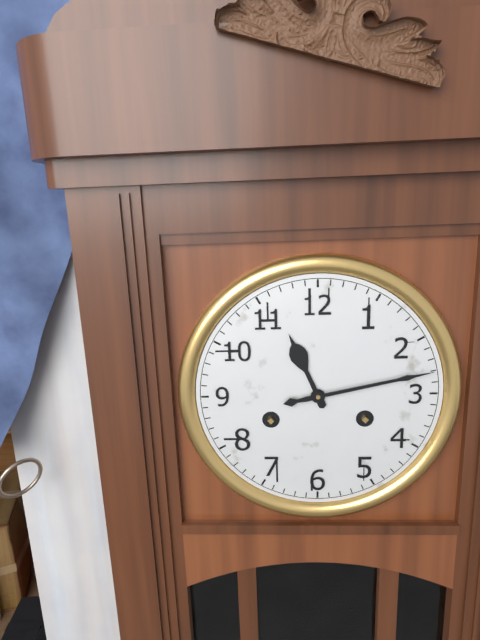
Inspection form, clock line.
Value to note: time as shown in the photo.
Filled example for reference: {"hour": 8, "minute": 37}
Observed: {"hour": 11, "minute": 13}
